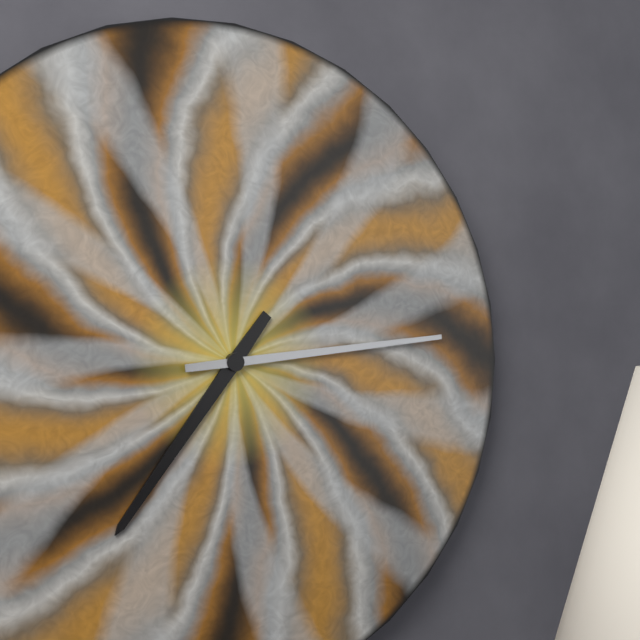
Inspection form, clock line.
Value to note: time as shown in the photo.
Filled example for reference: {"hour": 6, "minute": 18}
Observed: {"hour": 7, "minute": 14}
